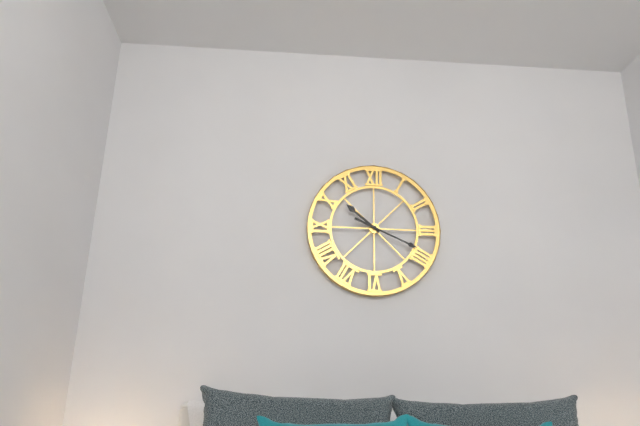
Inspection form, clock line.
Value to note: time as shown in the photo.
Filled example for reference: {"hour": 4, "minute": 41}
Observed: {"hour": 10, "minute": 19}
